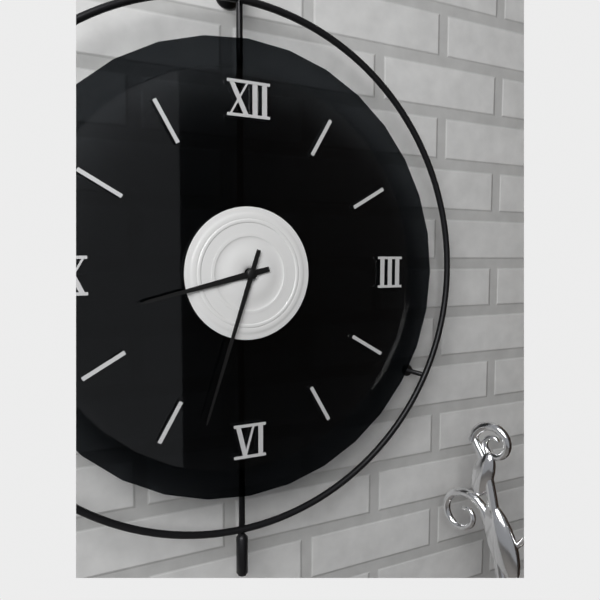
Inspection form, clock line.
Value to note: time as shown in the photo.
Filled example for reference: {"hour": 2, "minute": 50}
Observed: {"hour": 8, "minute": 33}
